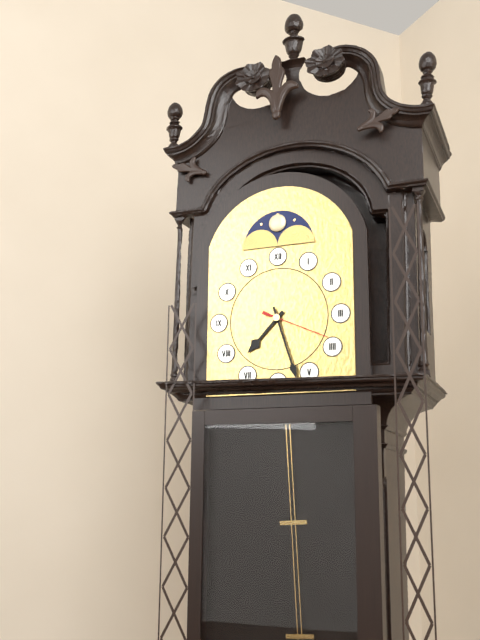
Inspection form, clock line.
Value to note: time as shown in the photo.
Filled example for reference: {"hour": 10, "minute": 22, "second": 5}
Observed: {"hour": 7, "minute": 27, "second": 19}
